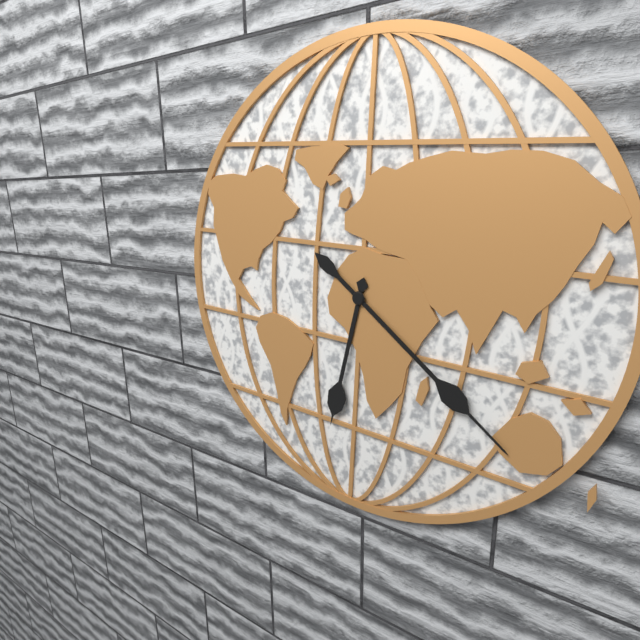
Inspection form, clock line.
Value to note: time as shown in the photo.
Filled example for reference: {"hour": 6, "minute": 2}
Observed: {"hour": 6, "minute": 21}
